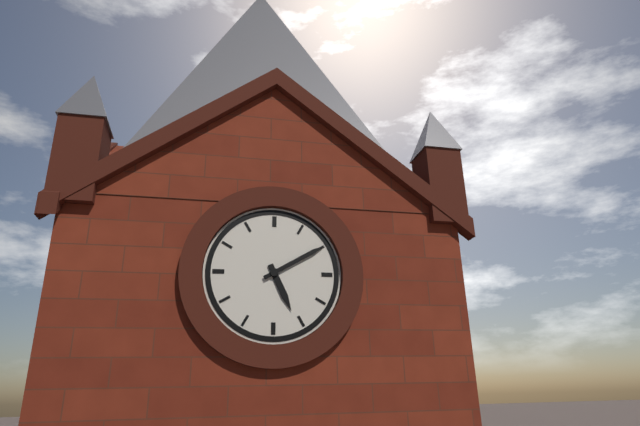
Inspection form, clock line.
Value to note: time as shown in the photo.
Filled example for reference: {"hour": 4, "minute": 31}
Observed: {"hour": 5, "minute": 10}
